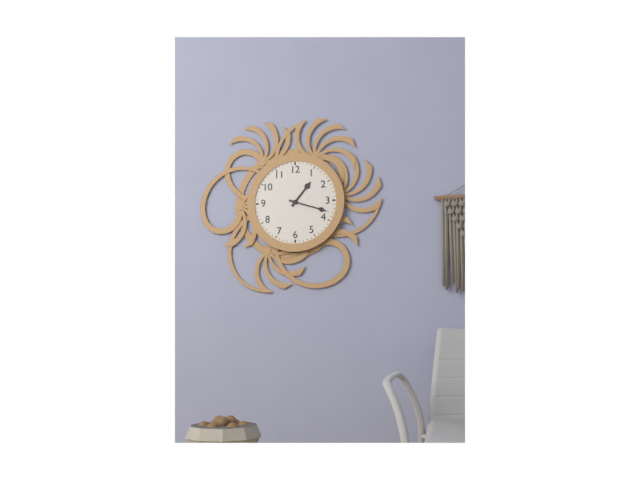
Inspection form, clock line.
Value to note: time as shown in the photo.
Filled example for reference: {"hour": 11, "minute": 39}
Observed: {"hour": 1, "minute": 18}
